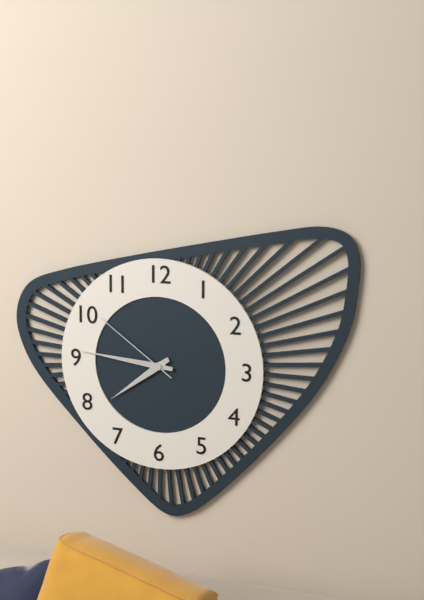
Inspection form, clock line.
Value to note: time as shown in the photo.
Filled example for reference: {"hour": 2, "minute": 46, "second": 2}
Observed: {"hour": 7, "minute": 46, "second": 51}
